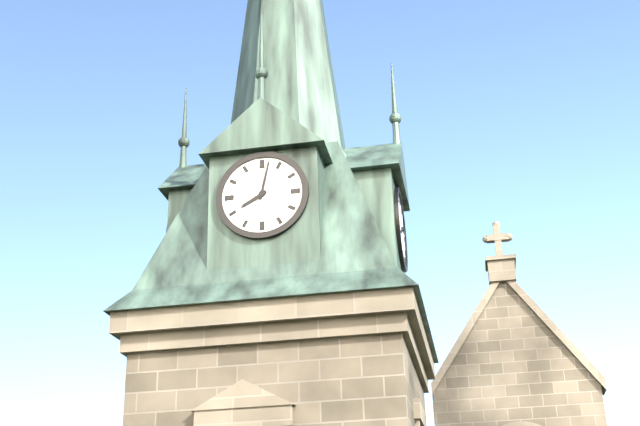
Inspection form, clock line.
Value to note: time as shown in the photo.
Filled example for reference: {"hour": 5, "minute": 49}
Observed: {"hour": 8, "minute": 2}
